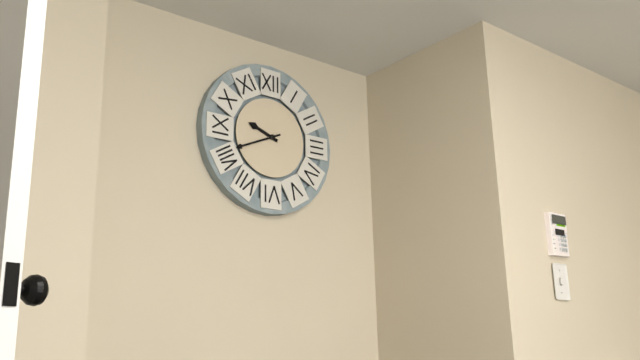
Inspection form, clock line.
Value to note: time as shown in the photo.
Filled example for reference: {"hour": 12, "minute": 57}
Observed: {"hour": 9, "minute": 41}
